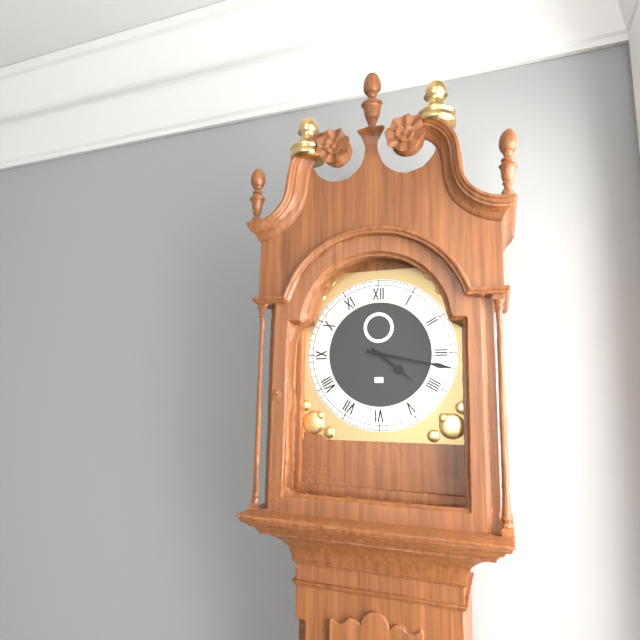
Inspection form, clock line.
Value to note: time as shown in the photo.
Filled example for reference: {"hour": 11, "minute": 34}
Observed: {"hour": 4, "minute": 17}
